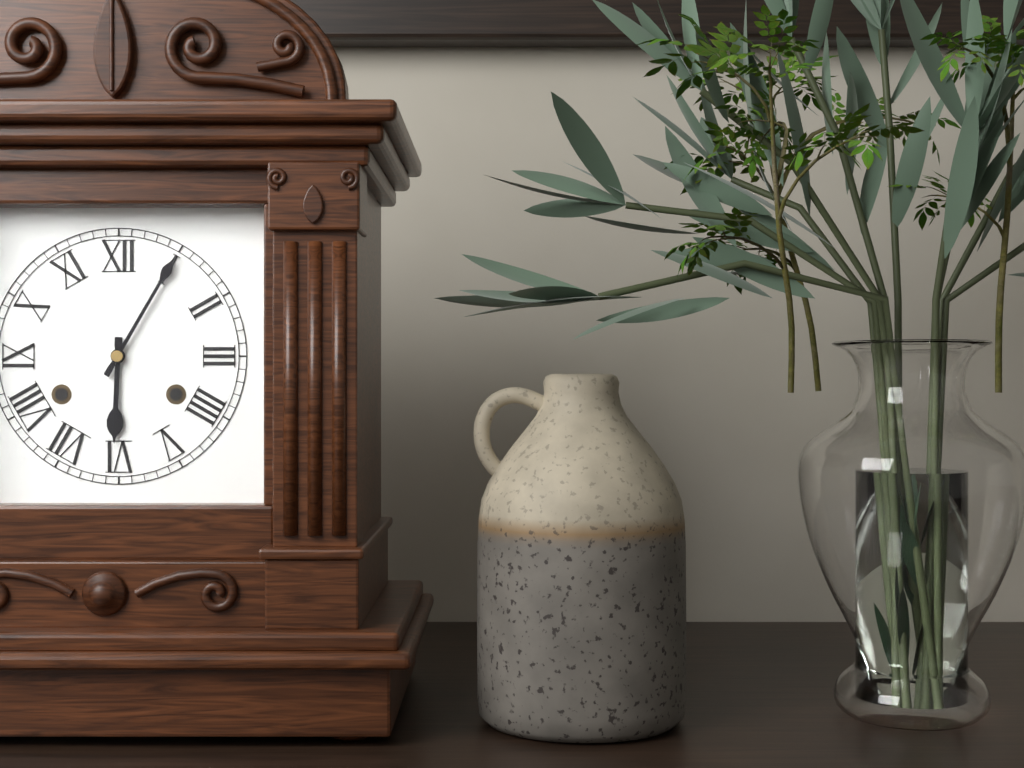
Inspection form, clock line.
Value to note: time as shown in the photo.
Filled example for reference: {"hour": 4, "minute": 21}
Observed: {"hour": 6, "minute": 5}
